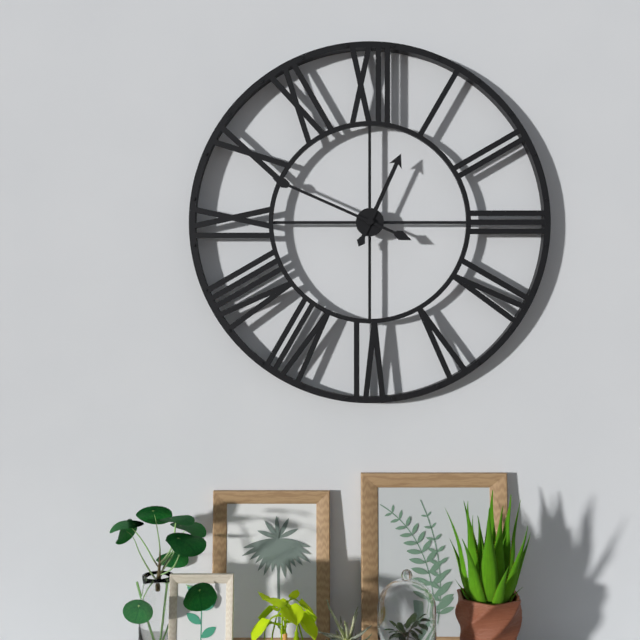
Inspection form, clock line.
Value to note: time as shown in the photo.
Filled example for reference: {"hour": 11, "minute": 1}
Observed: {"hour": 12, "minute": 49}
